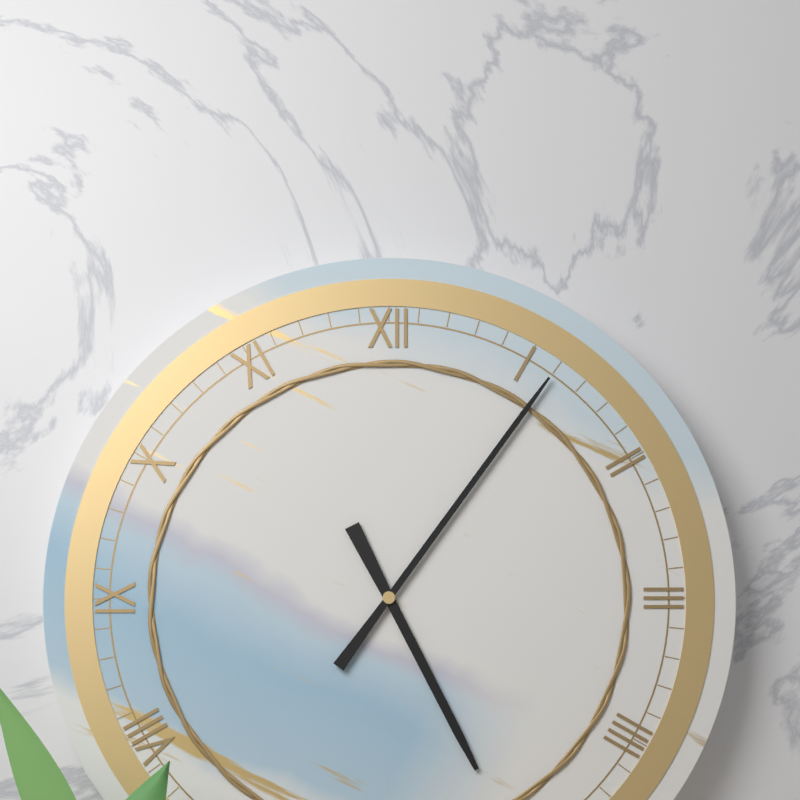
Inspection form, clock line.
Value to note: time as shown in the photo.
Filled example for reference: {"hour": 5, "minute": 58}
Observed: {"hour": 5, "minute": 6}
